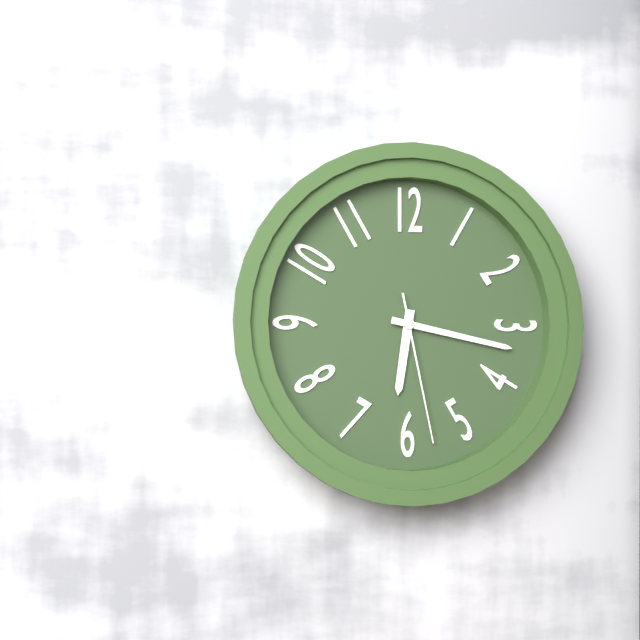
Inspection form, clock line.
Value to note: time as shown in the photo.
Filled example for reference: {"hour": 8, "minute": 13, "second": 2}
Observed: {"hour": 6, "minute": 17, "second": 28}
